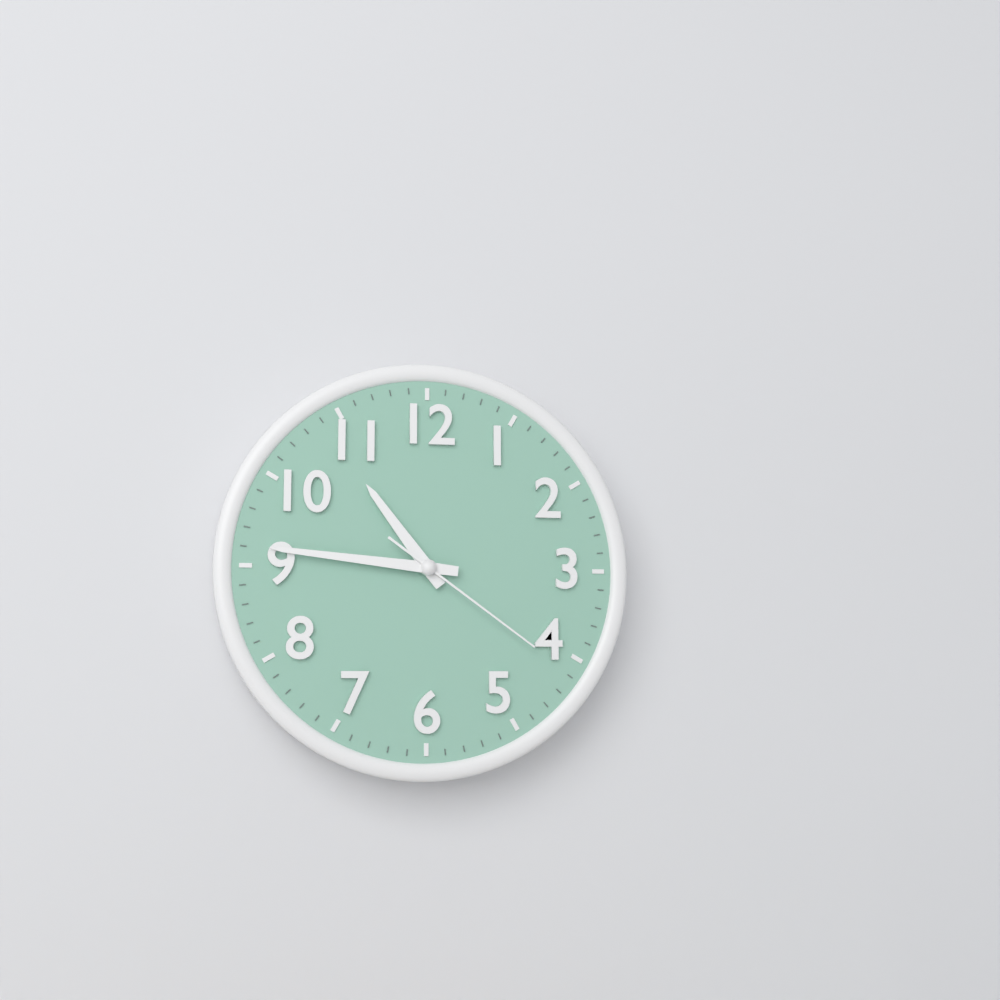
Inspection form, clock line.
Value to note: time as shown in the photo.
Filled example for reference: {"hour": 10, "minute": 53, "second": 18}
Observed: {"hour": 10, "minute": 46, "second": 21}
